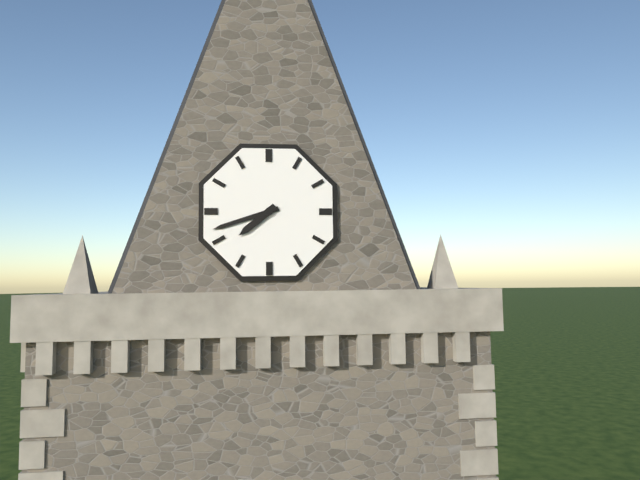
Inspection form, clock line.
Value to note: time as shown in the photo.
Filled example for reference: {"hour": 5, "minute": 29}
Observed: {"hour": 7, "minute": 42}
